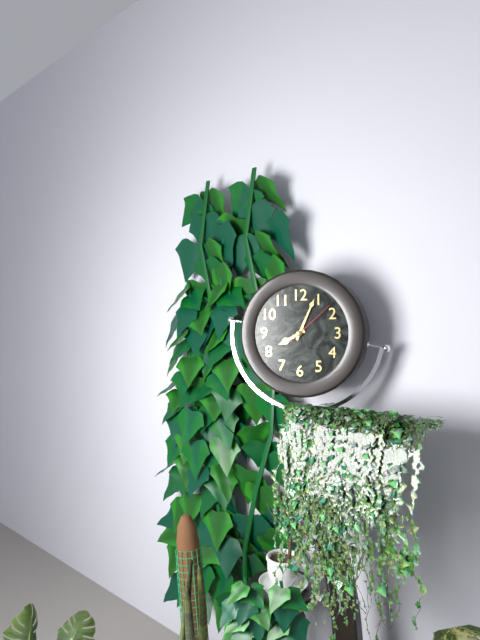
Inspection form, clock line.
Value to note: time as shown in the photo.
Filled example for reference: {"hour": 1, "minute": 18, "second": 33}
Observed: {"hour": 8, "minute": 4, "second": 8}
